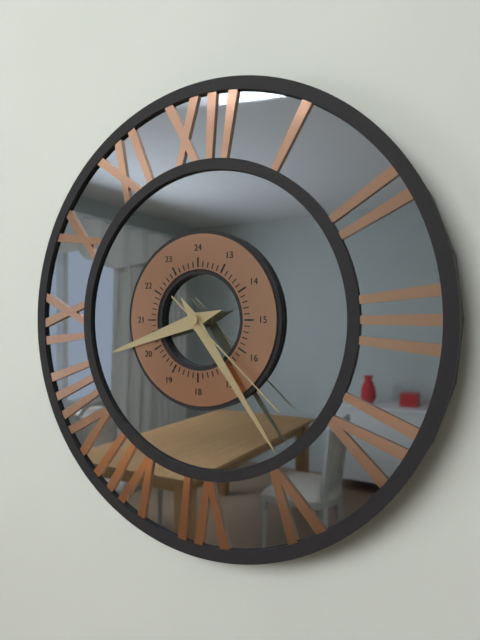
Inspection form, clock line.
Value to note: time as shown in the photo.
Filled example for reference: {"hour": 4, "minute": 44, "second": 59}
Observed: {"hour": 8, "minute": 24, "second": 22}
